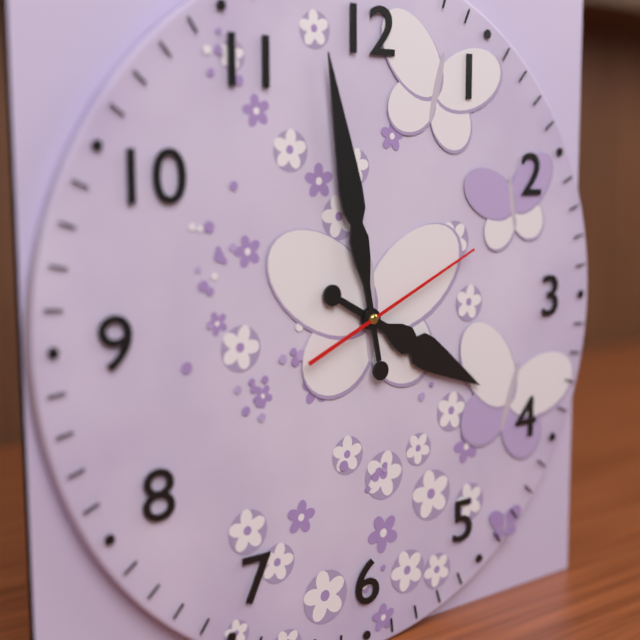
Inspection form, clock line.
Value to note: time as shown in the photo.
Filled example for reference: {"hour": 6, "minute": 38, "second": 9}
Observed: {"hour": 3, "minute": 58, "second": 11}
